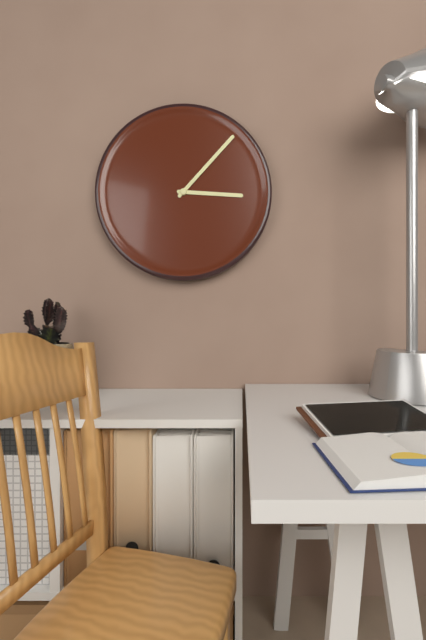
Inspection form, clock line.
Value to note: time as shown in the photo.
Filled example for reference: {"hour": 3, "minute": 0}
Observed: {"hour": 3, "minute": 7}
